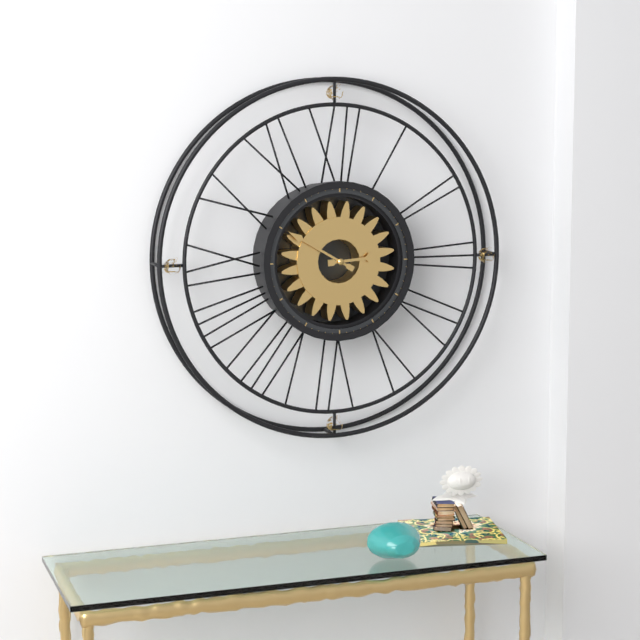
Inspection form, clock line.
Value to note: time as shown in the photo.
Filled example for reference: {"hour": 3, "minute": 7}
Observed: {"hour": 2, "minute": 50}
